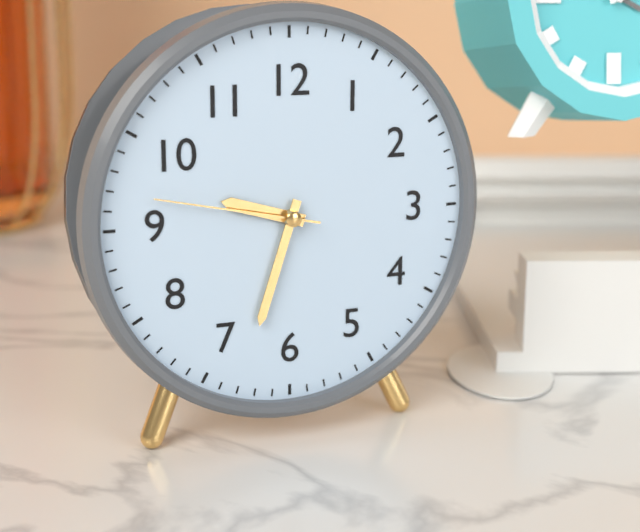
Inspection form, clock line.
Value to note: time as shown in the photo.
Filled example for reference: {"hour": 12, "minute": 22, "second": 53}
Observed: {"hour": 9, "minute": 33, "second": 47}
